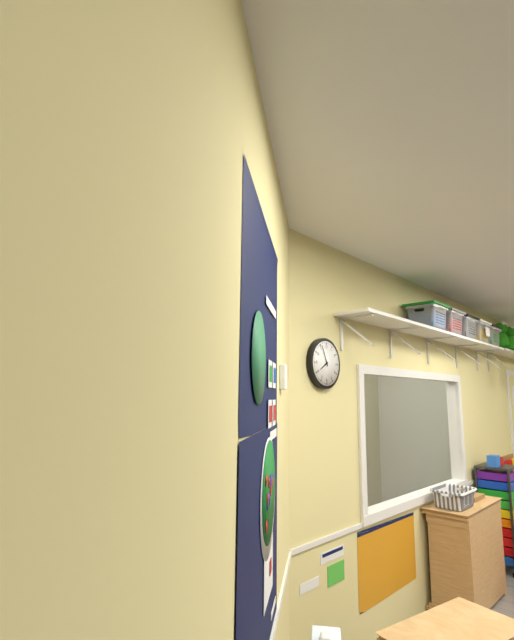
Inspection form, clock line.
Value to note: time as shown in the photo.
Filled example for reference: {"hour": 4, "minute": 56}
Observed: {"hour": 7, "minute": 56}
